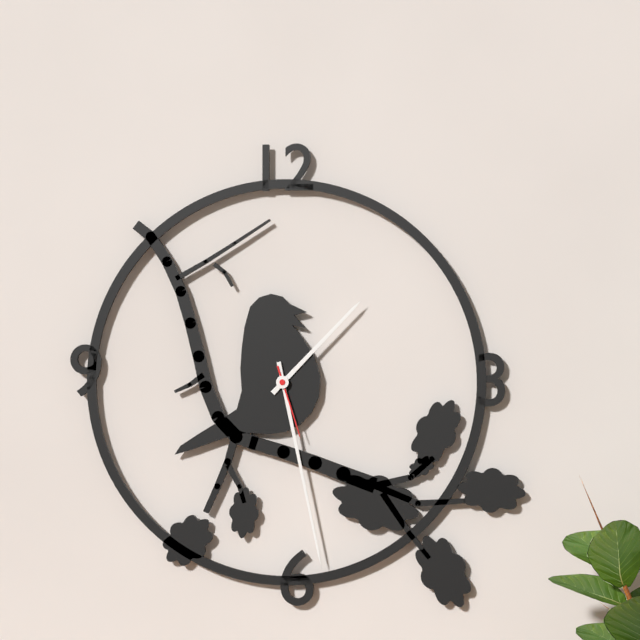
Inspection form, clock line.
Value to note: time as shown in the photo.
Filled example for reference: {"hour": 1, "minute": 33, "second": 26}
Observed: {"hour": 1, "minute": 28, "second": 27}
